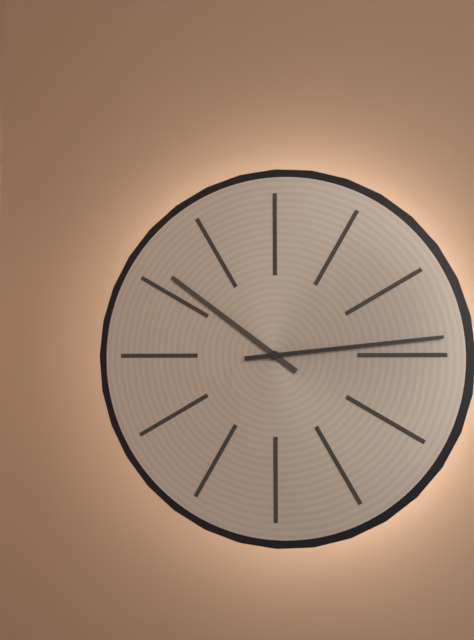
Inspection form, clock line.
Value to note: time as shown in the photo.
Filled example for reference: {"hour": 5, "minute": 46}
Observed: {"hour": 10, "minute": 14}
